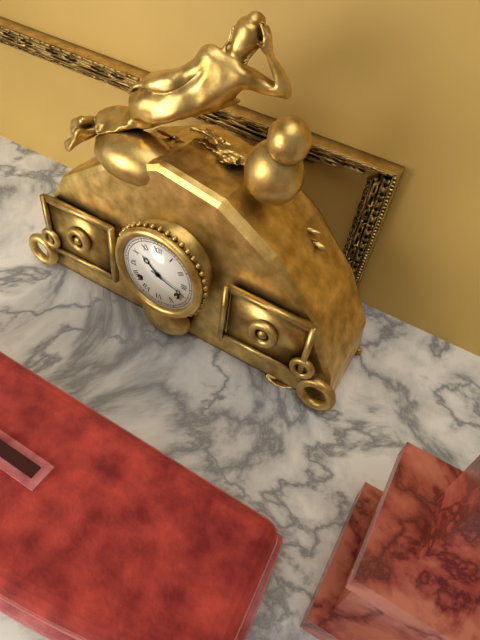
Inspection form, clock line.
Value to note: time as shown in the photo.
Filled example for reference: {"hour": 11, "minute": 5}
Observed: {"hour": 10, "minute": 18}
